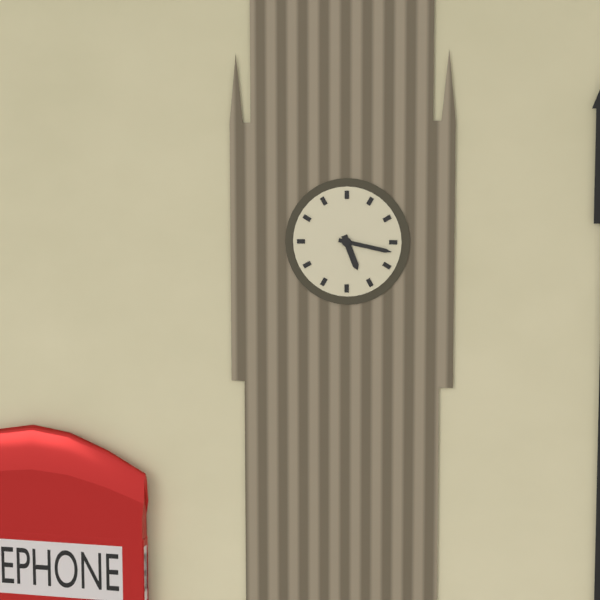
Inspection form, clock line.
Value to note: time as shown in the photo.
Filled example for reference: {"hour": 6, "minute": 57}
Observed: {"hour": 5, "minute": 17}
